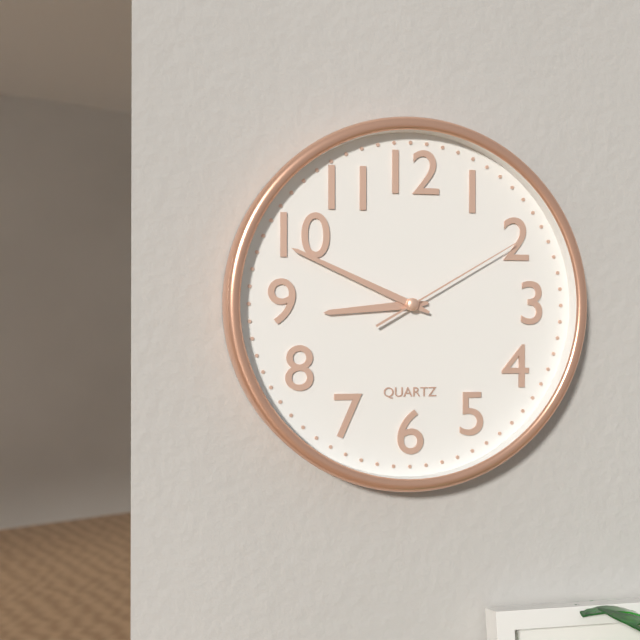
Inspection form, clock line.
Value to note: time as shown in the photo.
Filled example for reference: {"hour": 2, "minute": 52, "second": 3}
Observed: {"hour": 8, "minute": 49, "second": 10}
